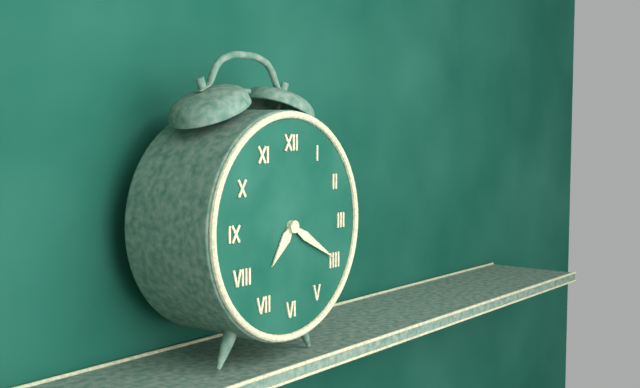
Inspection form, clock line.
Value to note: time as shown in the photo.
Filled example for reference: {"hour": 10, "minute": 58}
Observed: {"hour": 7, "minute": 20}
